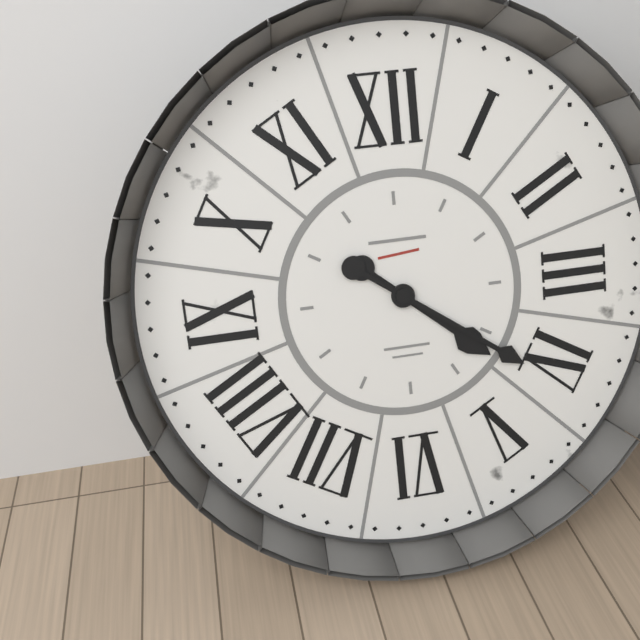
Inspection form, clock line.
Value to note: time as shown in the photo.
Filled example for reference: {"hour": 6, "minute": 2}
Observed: {"hour": 4, "minute": 21}
